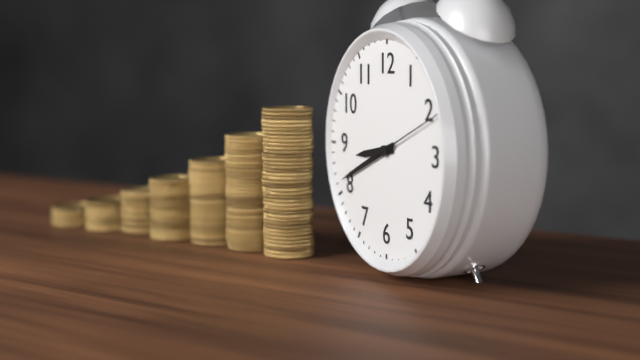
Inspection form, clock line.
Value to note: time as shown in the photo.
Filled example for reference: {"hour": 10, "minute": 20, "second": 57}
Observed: {"hour": 8, "minute": 41, "second": 11}
